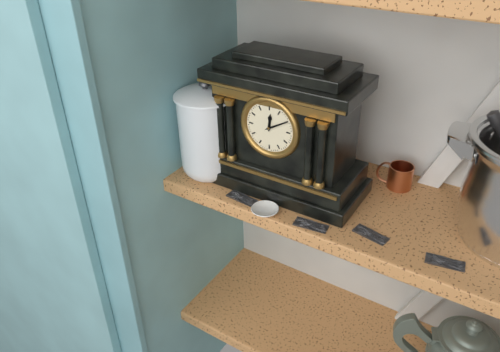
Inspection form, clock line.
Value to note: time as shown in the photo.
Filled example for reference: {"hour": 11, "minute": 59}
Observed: {"hour": 12, "minute": 10}
